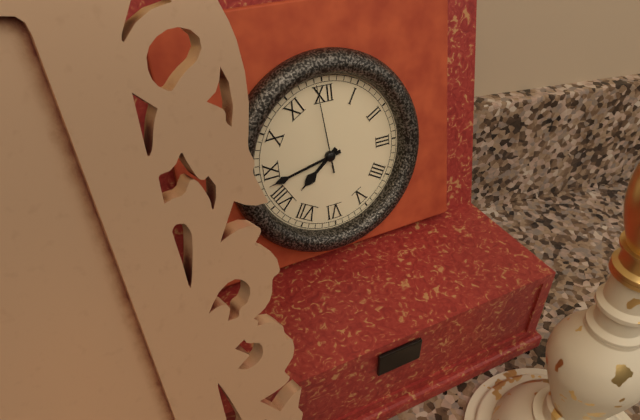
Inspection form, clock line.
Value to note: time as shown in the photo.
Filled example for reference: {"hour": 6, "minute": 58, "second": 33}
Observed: {"hour": 7, "minute": 43, "second": 59}
